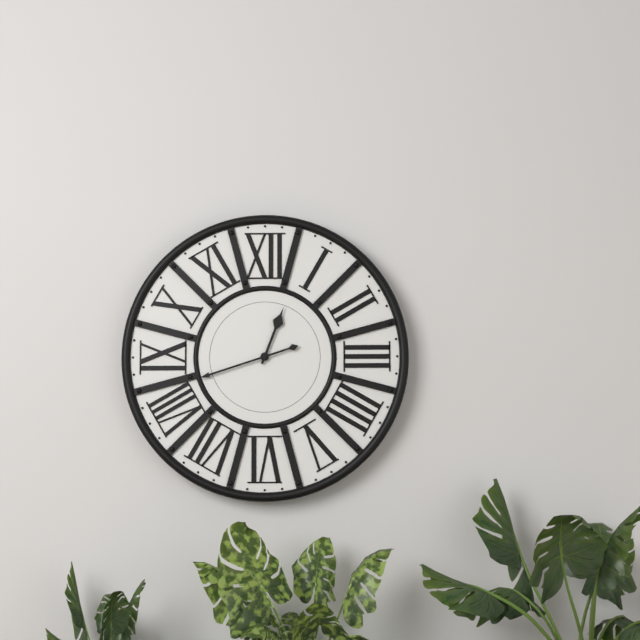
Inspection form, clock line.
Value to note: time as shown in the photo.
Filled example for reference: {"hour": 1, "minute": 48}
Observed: {"hour": 12, "minute": 42}
